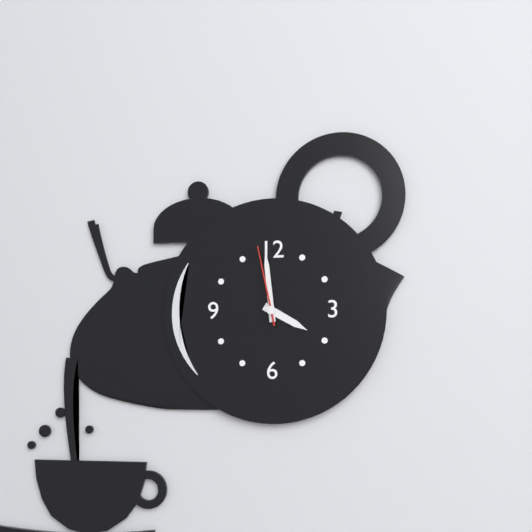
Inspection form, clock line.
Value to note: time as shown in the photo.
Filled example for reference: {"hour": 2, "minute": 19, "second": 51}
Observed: {"hour": 3, "minute": 59, "second": 58}
